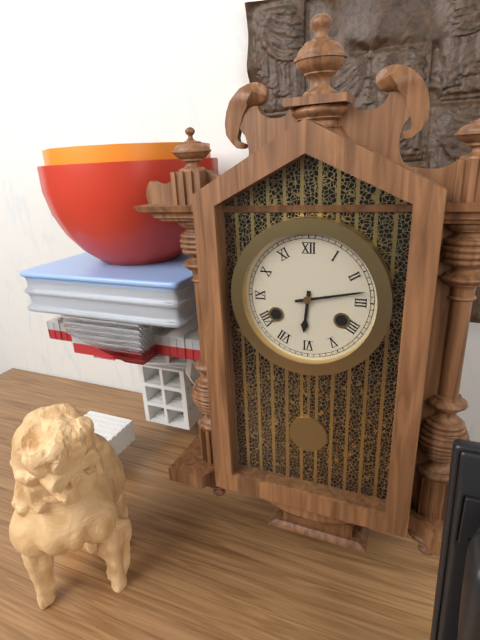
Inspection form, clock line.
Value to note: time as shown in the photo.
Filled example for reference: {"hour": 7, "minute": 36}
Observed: {"hour": 6, "minute": 13}
